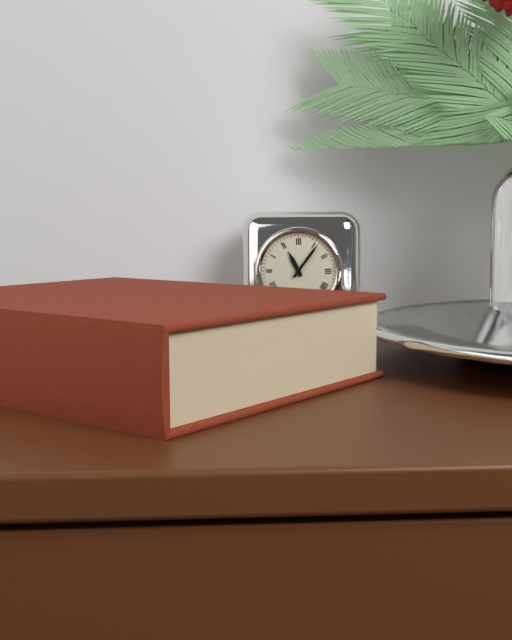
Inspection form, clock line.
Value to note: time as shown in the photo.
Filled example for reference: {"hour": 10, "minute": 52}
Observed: {"hour": 11, "minute": 6}
